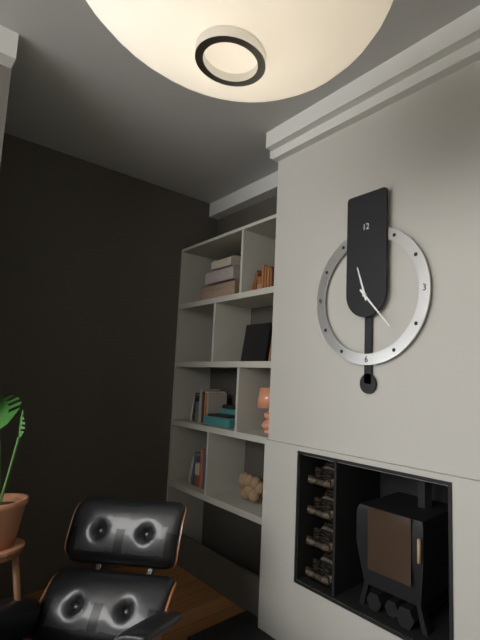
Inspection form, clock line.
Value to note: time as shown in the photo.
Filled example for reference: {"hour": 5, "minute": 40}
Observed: {"hour": 11, "minute": 23}
